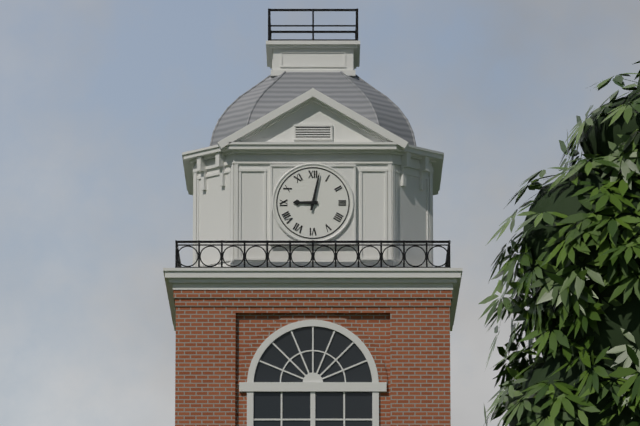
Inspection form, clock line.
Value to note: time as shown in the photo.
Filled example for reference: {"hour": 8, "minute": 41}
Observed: {"hour": 9, "minute": 2}
